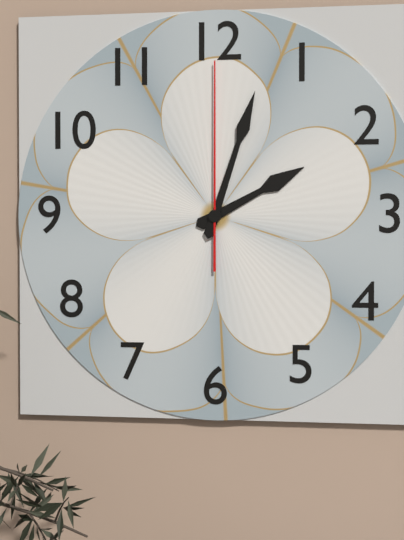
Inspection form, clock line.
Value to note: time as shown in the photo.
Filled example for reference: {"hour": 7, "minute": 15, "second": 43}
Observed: {"hour": 2, "minute": 3, "second": 0}
